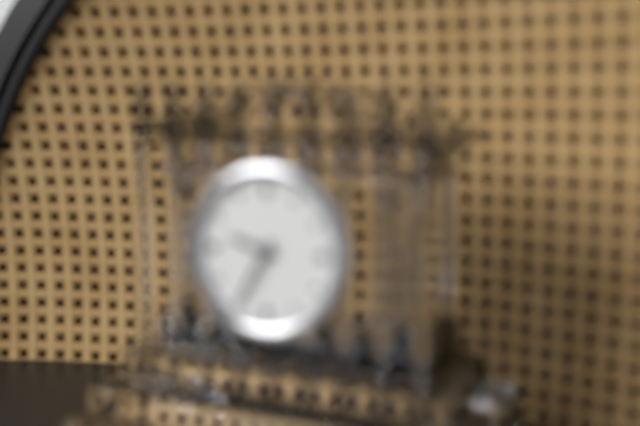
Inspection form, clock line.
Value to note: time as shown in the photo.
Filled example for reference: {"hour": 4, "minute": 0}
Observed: {"hour": 9, "minute": 35}
